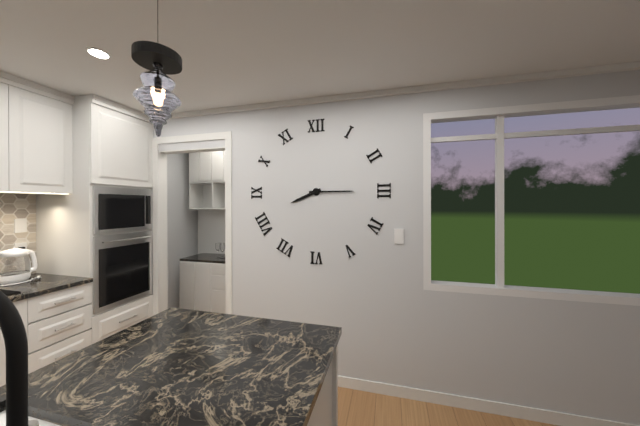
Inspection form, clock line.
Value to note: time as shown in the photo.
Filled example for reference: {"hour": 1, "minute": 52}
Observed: {"hour": 8, "minute": 15}
